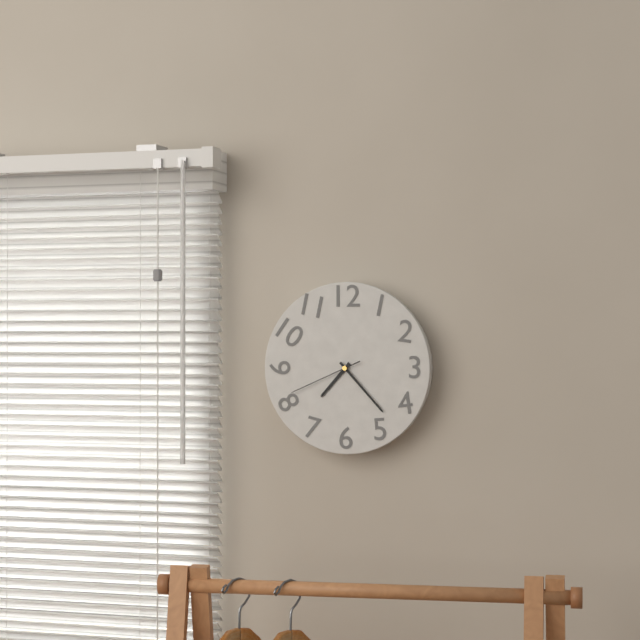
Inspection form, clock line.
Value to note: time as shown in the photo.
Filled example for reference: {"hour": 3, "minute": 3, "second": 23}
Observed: {"hour": 7, "minute": 23, "second": 41}
